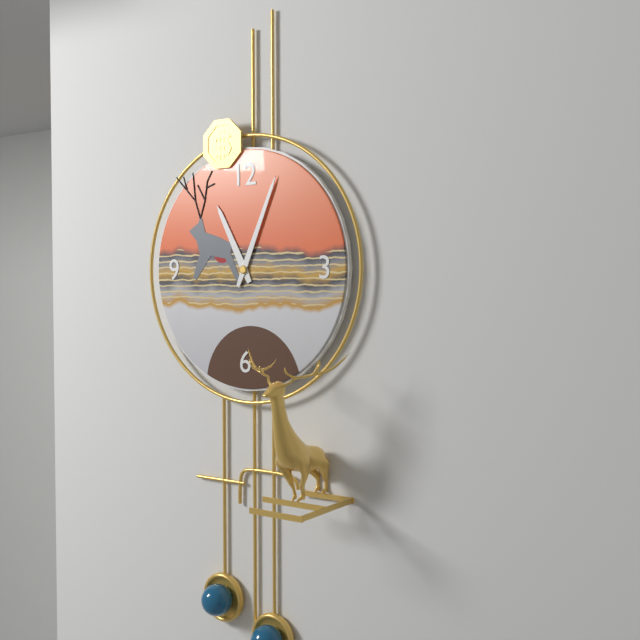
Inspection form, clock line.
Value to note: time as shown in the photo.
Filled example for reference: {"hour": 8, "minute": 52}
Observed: {"hour": 11, "minute": 4}
